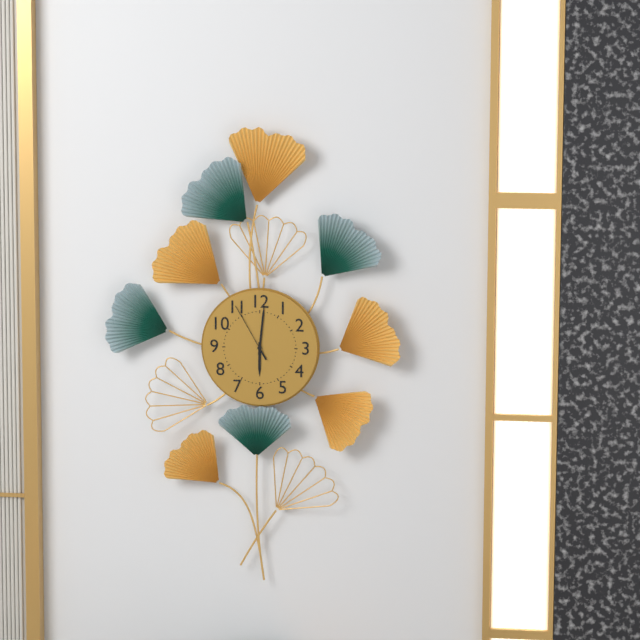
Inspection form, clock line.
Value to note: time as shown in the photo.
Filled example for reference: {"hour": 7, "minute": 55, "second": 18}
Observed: {"hour": 6, "minute": 1, "second": 55}
